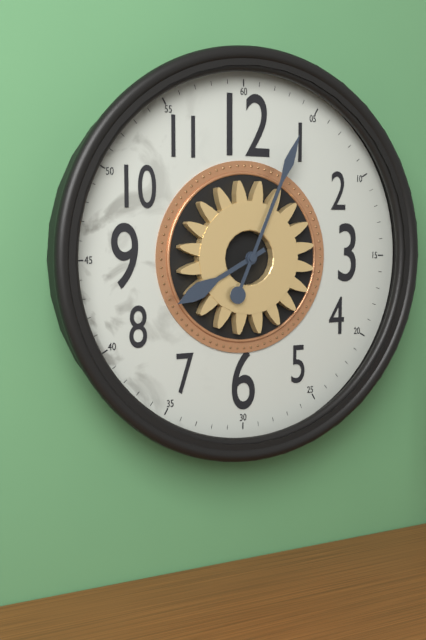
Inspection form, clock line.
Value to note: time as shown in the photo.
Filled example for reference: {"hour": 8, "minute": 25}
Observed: {"hour": 8, "minute": 4}
